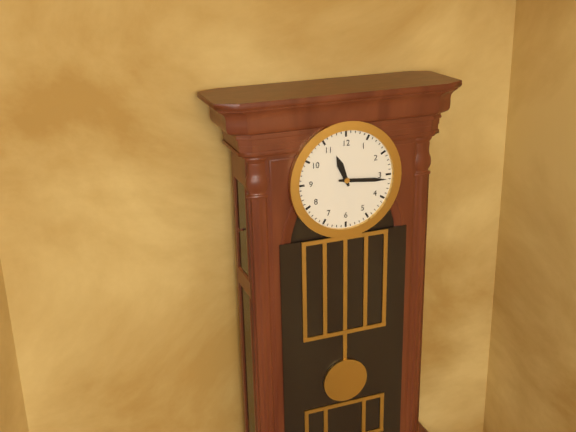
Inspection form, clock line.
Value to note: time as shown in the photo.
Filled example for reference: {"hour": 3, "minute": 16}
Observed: {"hour": 11, "minute": 16}
